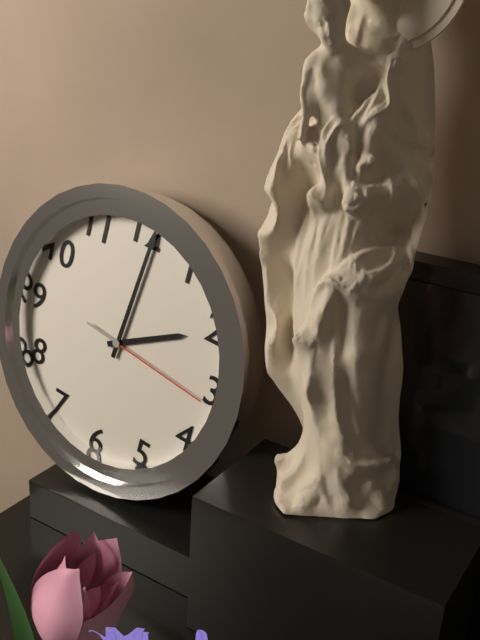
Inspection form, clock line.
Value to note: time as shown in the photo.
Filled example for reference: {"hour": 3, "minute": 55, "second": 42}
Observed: {"hour": 2, "minute": 1, "second": 16}
